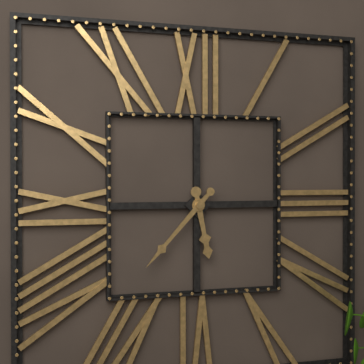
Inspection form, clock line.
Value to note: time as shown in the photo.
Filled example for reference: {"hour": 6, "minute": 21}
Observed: {"hour": 5, "minute": 37}
